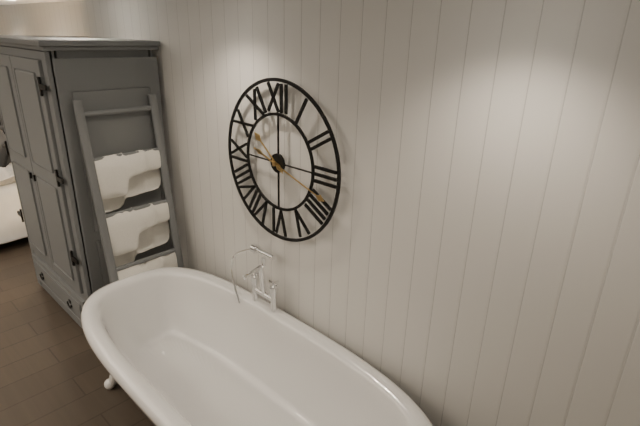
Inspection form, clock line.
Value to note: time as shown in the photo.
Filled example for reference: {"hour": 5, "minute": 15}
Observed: {"hour": 10, "minute": 18}
